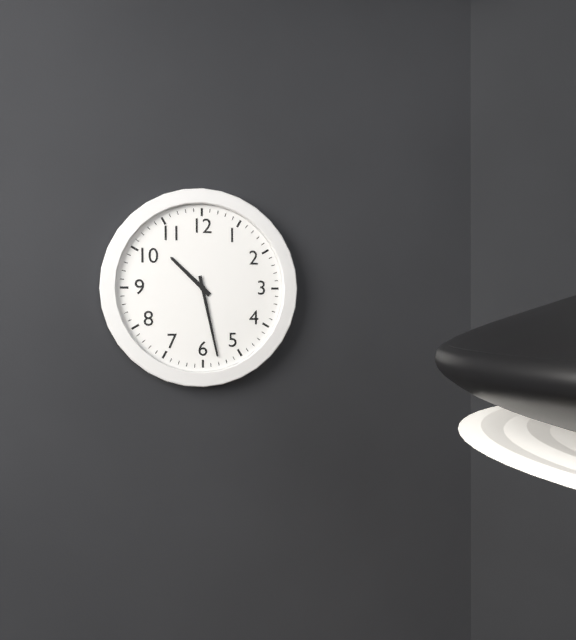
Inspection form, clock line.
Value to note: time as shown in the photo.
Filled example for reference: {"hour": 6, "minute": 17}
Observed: {"hour": 10, "minute": 28}
